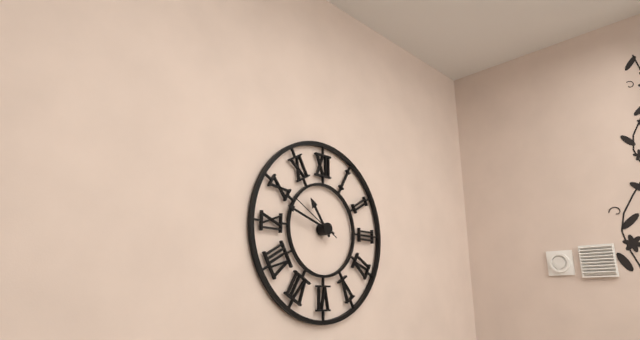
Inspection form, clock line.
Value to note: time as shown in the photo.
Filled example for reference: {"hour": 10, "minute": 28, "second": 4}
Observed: {"hour": 10, "minute": 48, "second": 50}
